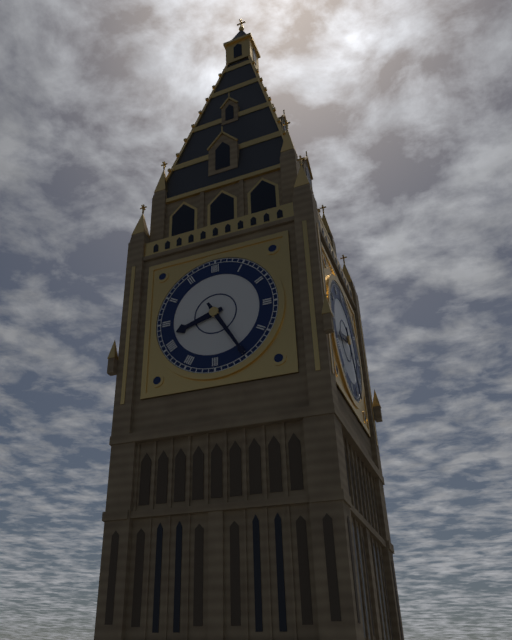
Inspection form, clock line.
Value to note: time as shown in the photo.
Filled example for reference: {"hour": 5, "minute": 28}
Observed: {"hour": 8, "minute": 25}
